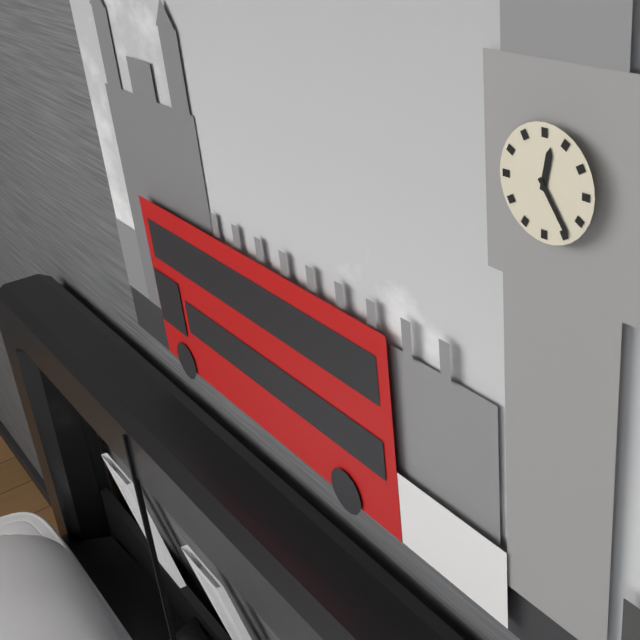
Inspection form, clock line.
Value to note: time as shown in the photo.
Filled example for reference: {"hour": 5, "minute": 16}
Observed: {"hour": 12, "minute": 24}
